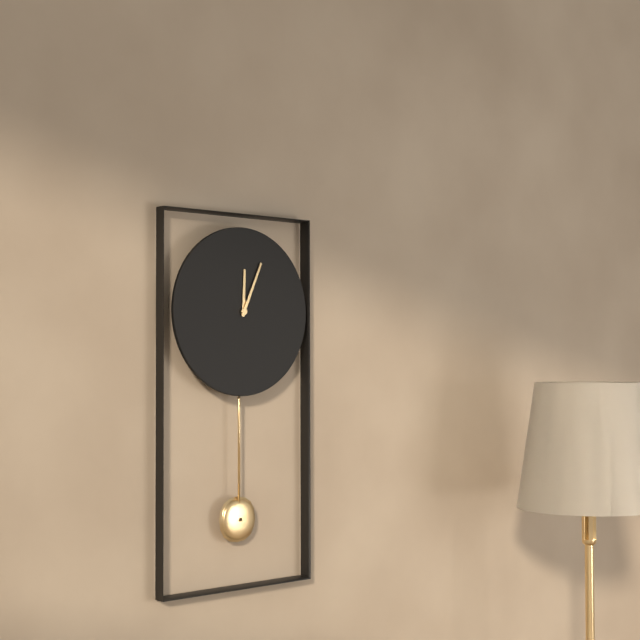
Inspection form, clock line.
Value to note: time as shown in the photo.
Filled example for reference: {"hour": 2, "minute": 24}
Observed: {"hour": 12, "minute": 4}
